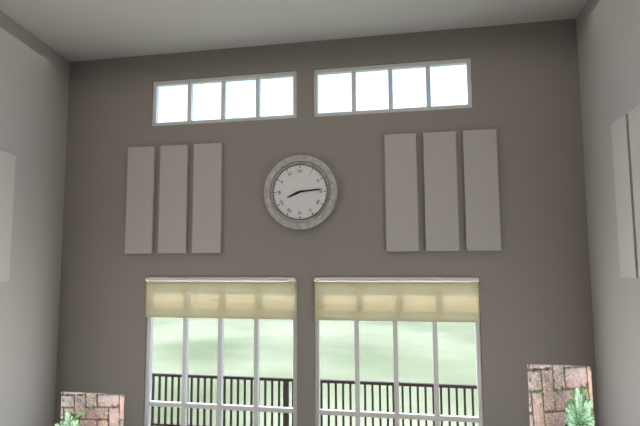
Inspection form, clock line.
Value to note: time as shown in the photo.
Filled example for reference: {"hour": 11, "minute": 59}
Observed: {"hour": 8, "minute": 14}
